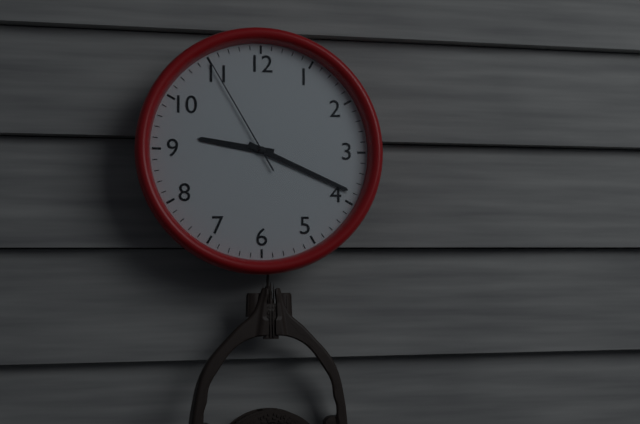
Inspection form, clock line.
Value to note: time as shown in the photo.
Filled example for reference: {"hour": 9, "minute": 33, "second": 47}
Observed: {"hour": 9, "minute": 19, "second": 55}
